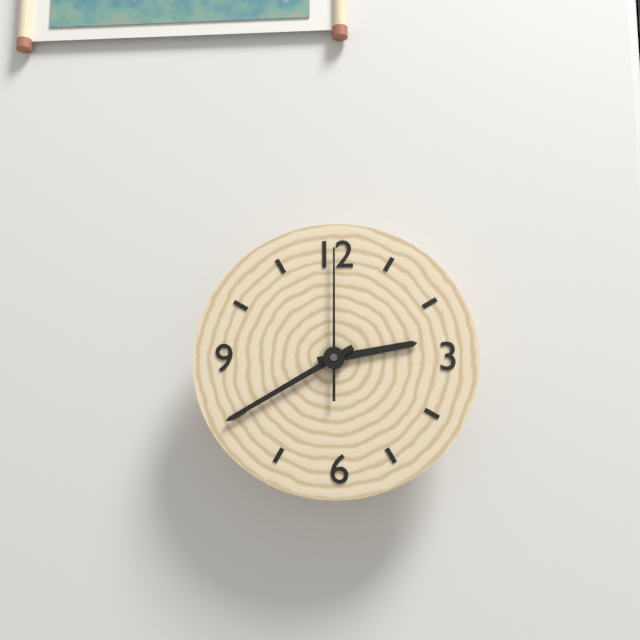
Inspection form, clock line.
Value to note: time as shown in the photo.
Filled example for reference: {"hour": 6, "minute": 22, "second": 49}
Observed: {"hour": 2, "minute": 40, "second": 0}
